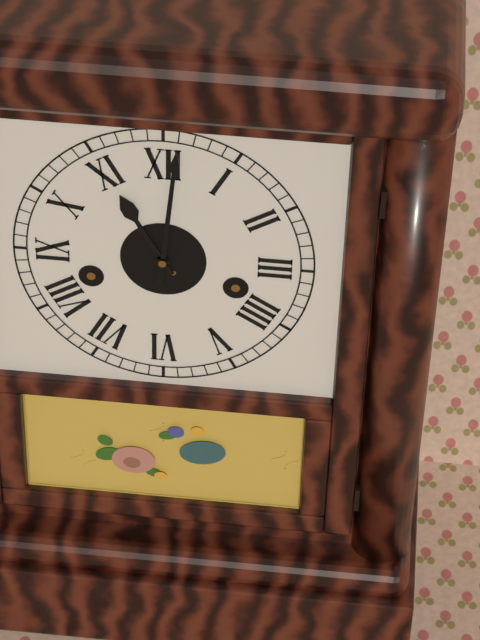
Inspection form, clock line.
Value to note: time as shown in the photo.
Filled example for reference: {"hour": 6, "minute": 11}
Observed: {"hour": 11, "minute": 1}
